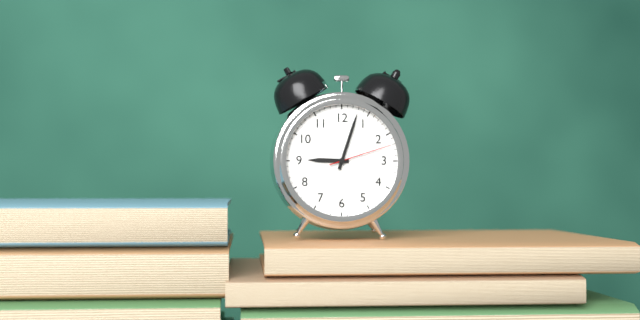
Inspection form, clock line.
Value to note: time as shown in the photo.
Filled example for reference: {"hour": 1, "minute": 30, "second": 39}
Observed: {"hour": 9, "minute": 3, "second": 12}
